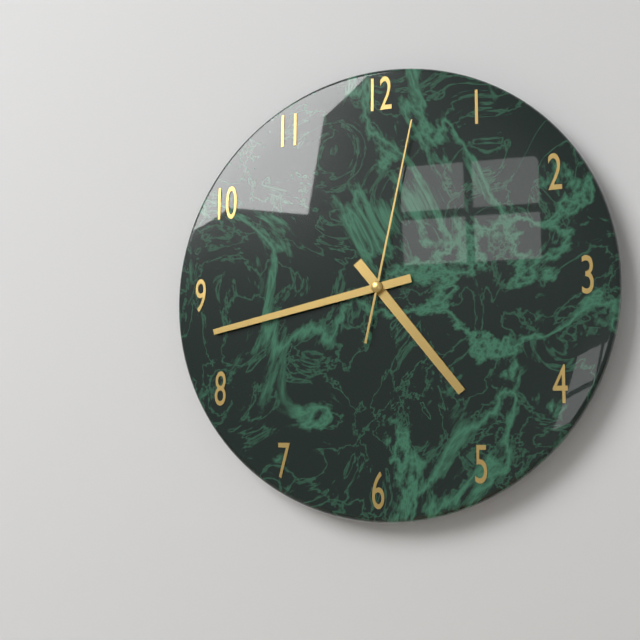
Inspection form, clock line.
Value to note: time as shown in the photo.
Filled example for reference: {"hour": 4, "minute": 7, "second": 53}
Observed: {"hour": 4, "minute": 43, "second": 2}
